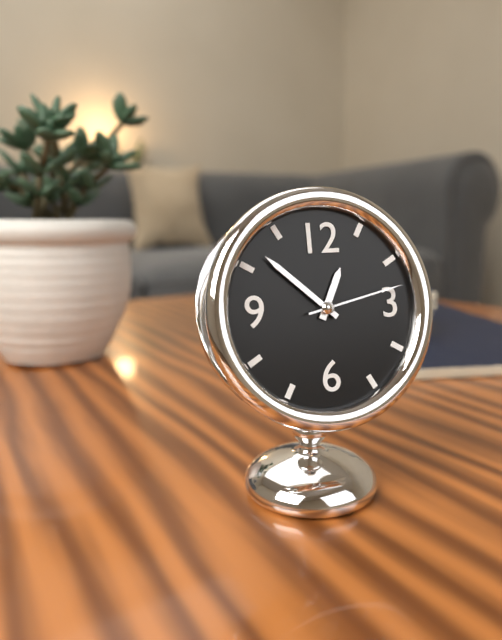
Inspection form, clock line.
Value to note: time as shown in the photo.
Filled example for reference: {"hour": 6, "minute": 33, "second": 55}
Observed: {"hour": 12, "minute": 52, "second": 13}
